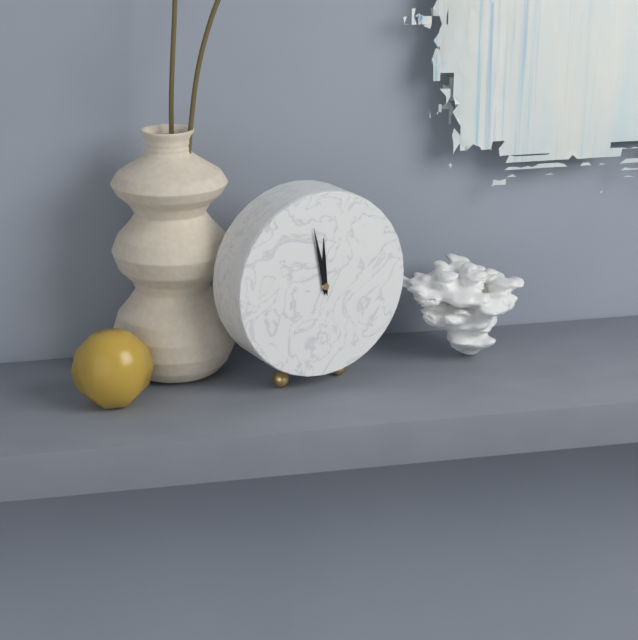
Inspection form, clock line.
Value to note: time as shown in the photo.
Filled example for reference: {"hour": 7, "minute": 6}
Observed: {"hour": 11, "minute": 58}
